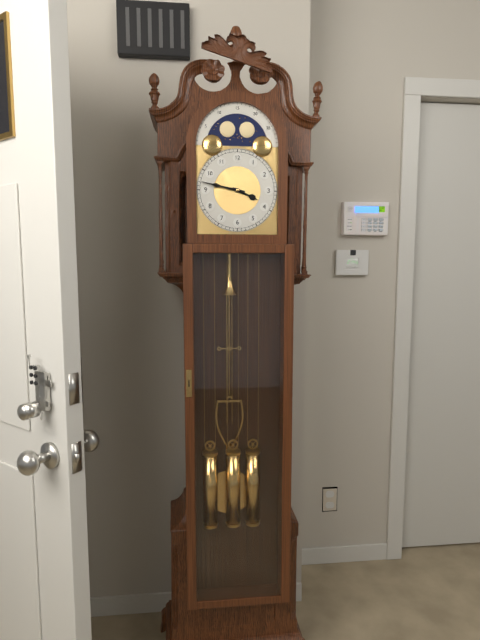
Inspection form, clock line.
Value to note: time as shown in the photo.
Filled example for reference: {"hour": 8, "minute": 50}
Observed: {"hour": 3, "minute": 47}
